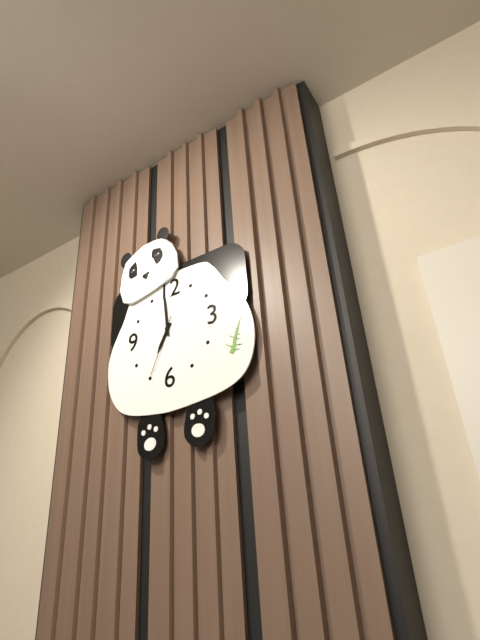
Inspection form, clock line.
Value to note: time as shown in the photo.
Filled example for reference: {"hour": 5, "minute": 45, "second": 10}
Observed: {"hour": 6, "minute": 59, "second": 34}
